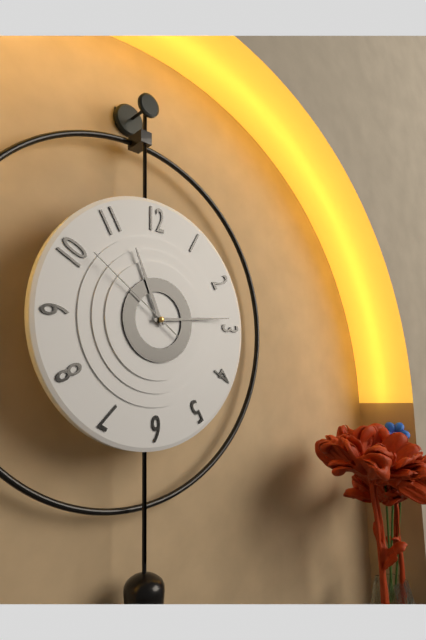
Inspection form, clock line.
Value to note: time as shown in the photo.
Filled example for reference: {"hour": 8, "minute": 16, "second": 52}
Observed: {"hour": 11, "minute": 14, "second": 51}
